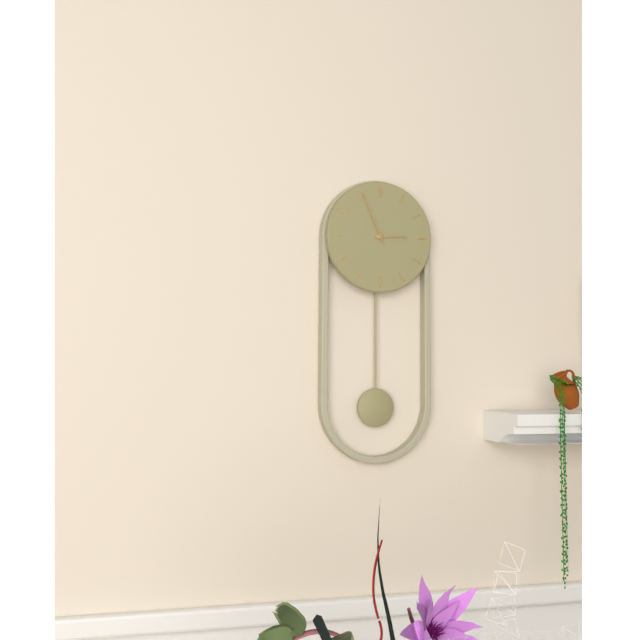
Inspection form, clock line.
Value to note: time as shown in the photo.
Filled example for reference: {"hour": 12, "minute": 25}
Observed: {"hour": 2, "minute": 56}
